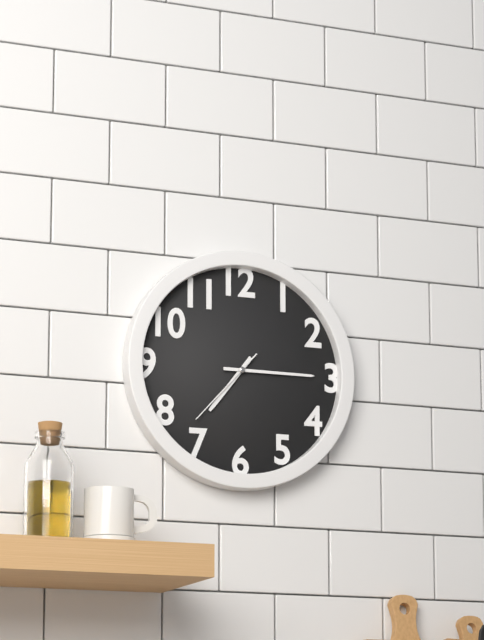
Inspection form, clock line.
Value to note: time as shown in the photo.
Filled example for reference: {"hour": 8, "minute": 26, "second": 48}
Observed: {"hour": 7, "minute": 15, "second": 37}
